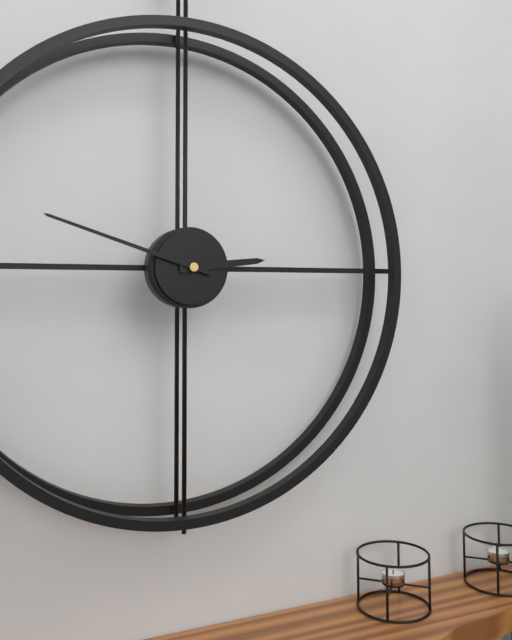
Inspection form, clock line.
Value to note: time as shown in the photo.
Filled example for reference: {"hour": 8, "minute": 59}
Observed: {"hour": 2, "minute": 48}
